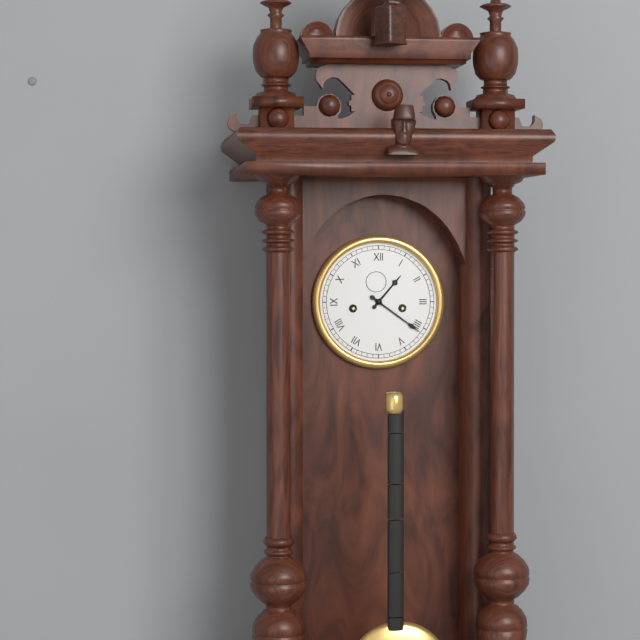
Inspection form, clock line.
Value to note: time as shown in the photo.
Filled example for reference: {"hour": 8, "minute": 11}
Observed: {"hour": 1, "minute": 21}
